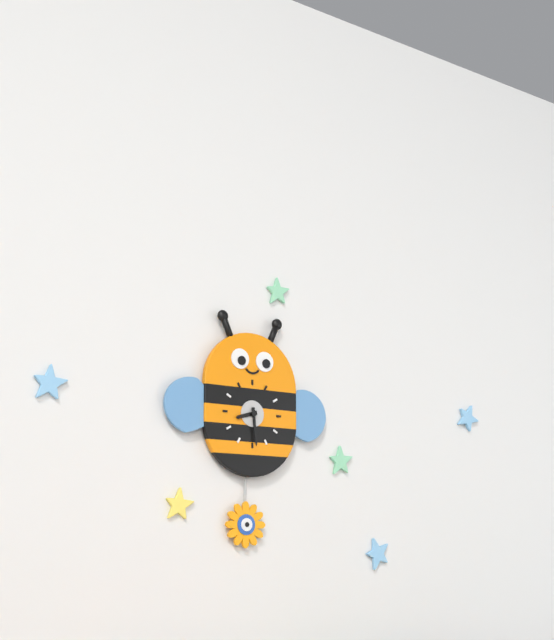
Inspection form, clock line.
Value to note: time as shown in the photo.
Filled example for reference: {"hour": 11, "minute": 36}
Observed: {"hour": 8, "minute": 29}
